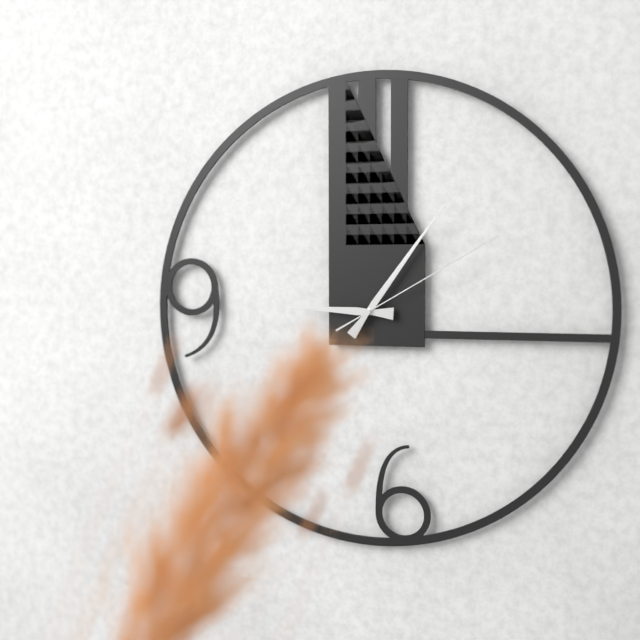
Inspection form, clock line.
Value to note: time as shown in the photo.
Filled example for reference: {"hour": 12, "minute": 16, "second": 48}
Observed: {"hour": 9, "minute": 6, "second": 10}
